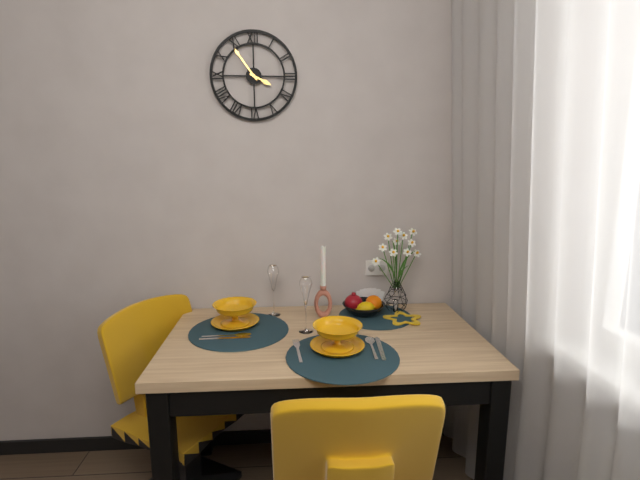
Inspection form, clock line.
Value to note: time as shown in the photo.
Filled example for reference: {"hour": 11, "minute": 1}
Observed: {"hour": 3, "minute": 54}
